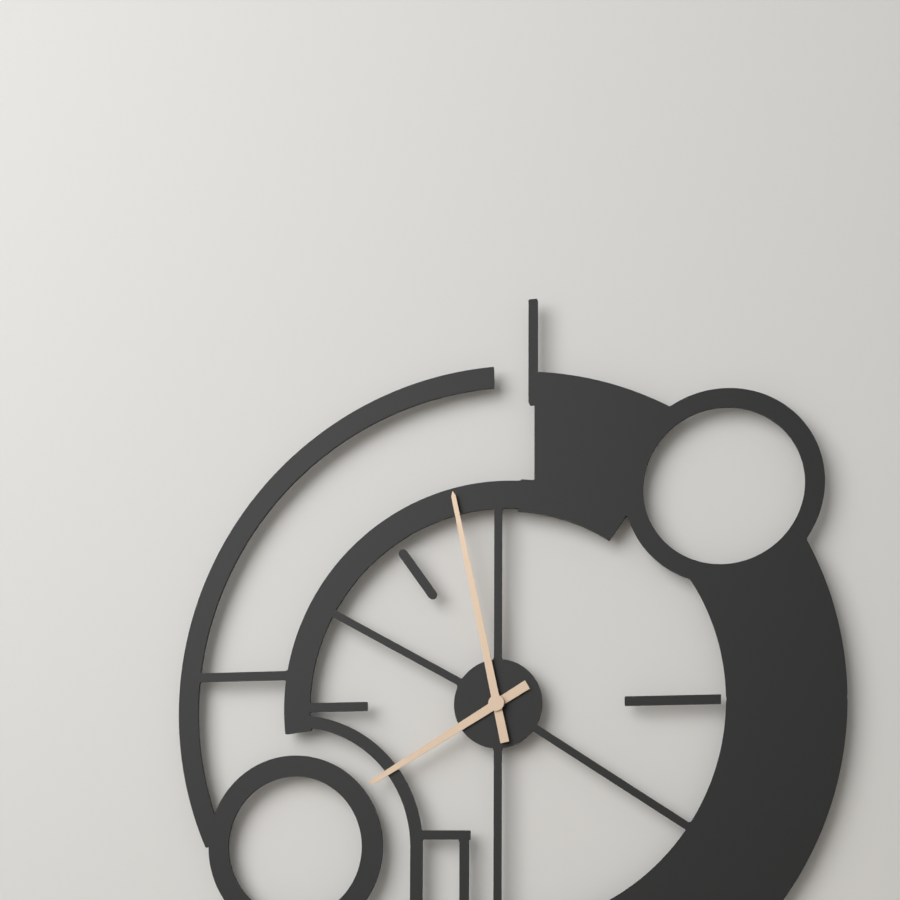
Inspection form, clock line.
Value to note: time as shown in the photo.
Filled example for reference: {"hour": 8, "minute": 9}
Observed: {"hour": 7, "minute": 58}
